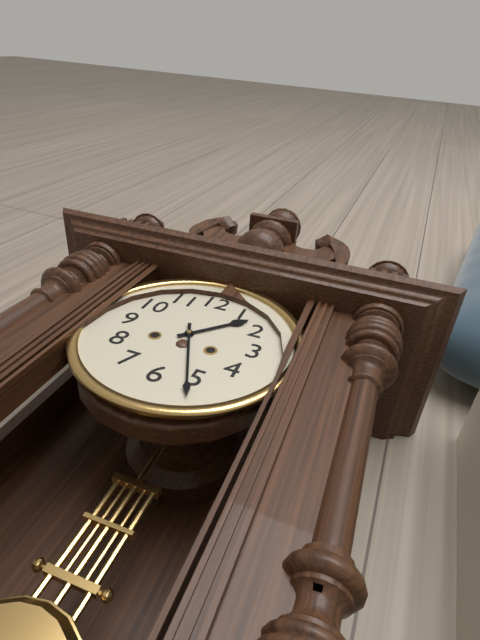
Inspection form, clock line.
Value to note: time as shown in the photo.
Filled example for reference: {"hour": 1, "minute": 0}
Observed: {"hour": 1, "minute": 26}
